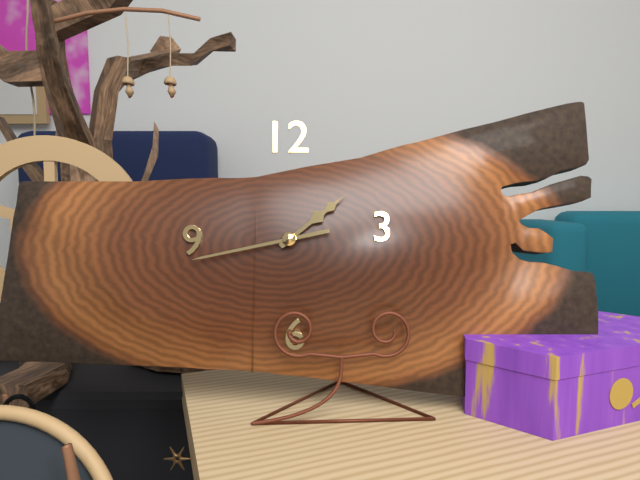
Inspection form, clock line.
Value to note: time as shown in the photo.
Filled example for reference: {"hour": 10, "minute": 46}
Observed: {"hour": 1, "minute": 43}
